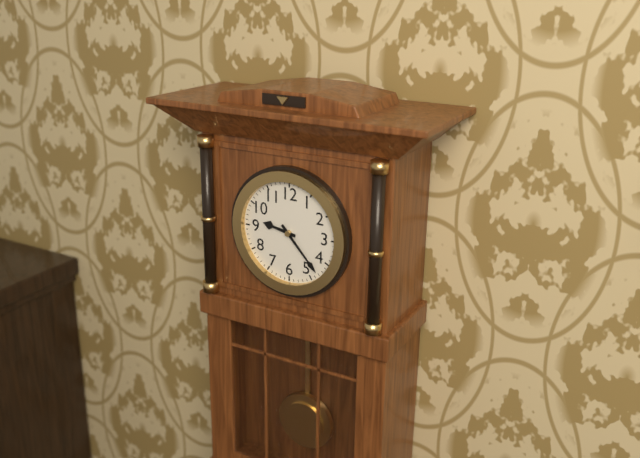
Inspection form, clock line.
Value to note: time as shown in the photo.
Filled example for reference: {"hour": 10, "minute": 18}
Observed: {"hour": 9, "minute": 23}
